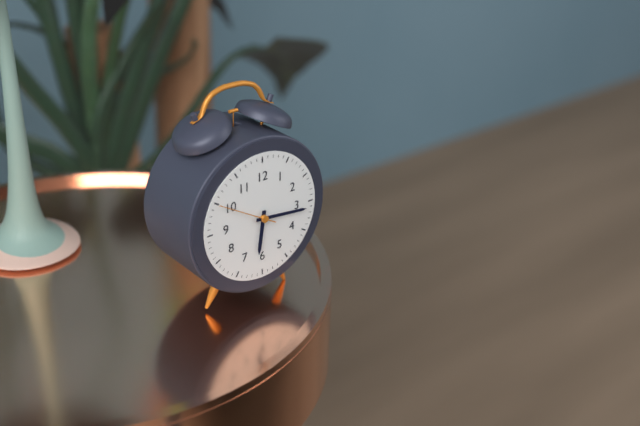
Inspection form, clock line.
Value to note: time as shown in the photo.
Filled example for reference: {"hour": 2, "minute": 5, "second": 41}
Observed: {"hour": 6, "minute": 16, "second": 50}
